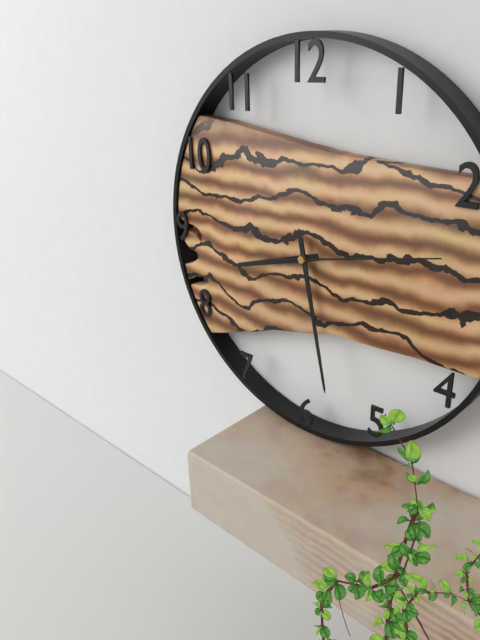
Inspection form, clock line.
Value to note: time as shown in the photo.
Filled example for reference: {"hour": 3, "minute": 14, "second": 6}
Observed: {"hour": 8, "minute": 28, "second": 13}
